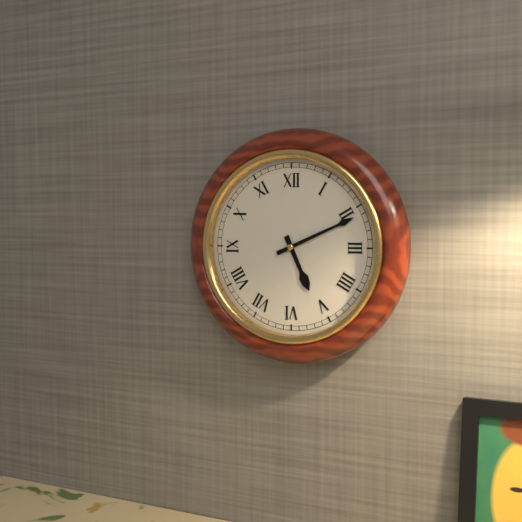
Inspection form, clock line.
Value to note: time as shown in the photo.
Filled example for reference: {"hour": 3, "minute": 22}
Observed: {"hour": 5, "minute": 11}
